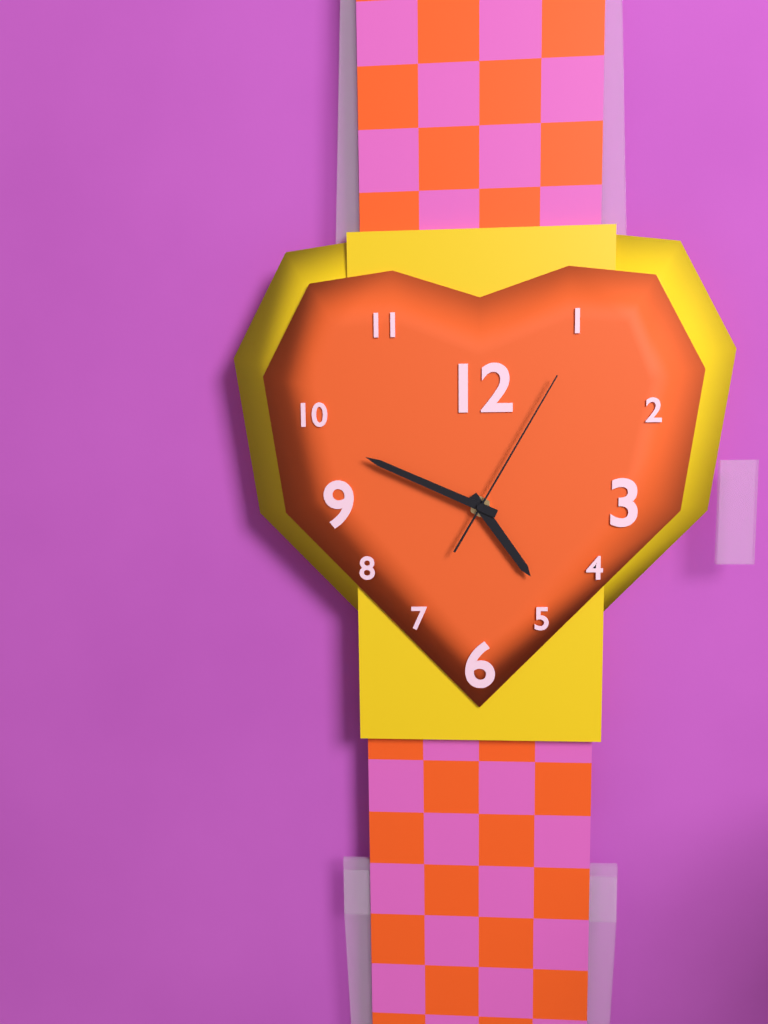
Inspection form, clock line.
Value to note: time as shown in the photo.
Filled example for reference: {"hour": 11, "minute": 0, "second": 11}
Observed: {"hour": 4, "minute": 49, "second": 5}
